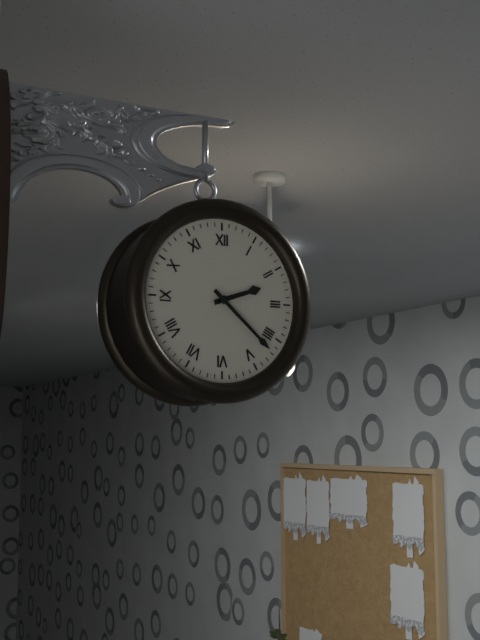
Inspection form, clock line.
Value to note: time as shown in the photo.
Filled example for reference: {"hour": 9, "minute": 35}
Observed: {"hour": 2, "minute": 22}
